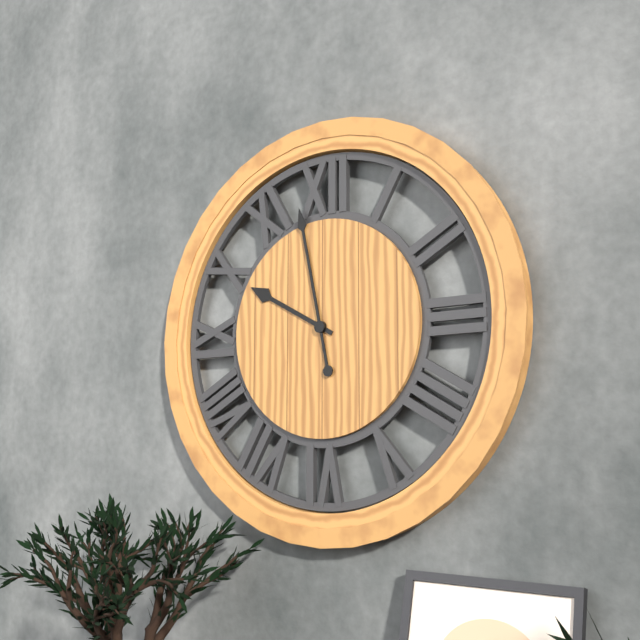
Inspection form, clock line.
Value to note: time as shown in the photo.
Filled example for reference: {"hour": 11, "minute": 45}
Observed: {"hour": 9, "minute": 58}
